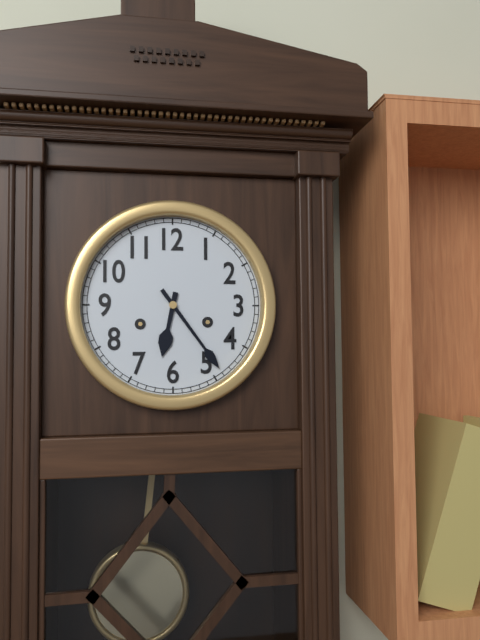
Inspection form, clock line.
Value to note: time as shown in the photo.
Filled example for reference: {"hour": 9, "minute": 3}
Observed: {"hour": 6, "minute": 24}
